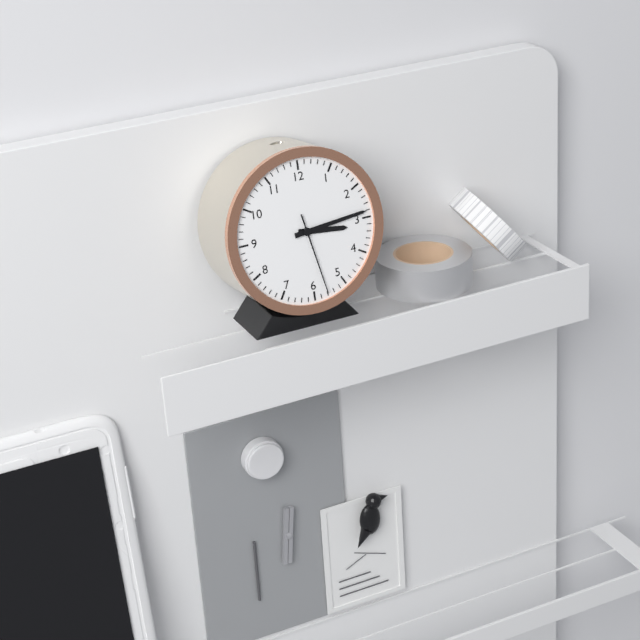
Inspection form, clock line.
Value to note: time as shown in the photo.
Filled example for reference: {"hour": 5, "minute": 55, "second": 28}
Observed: {"hour": 3, "minute": 14, "second": 28}
